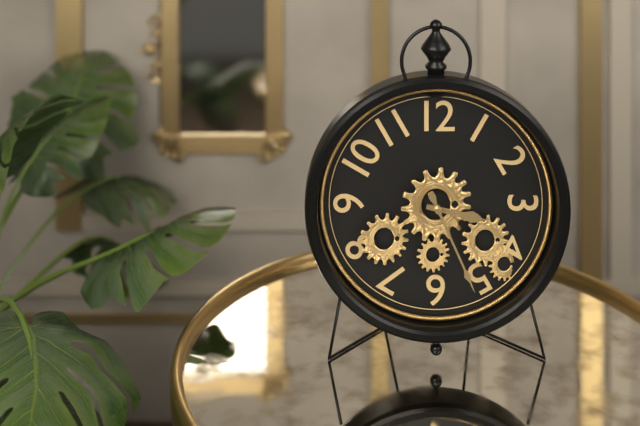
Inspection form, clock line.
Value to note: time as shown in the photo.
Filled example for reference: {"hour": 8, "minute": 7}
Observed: {"hour": 3, "minute": 26}
